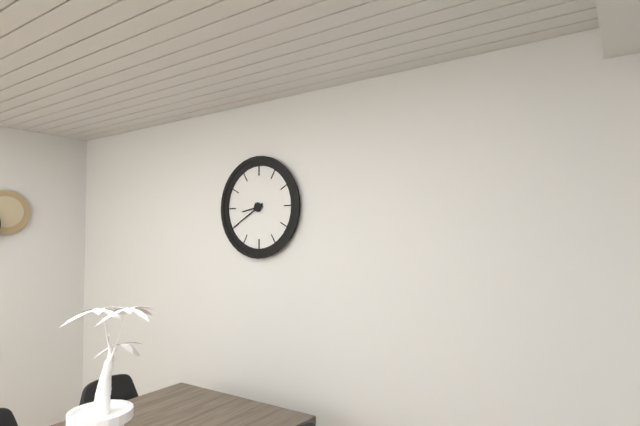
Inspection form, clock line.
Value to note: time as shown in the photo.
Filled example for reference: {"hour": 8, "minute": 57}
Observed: {"hour": 8, "minute": 40}
